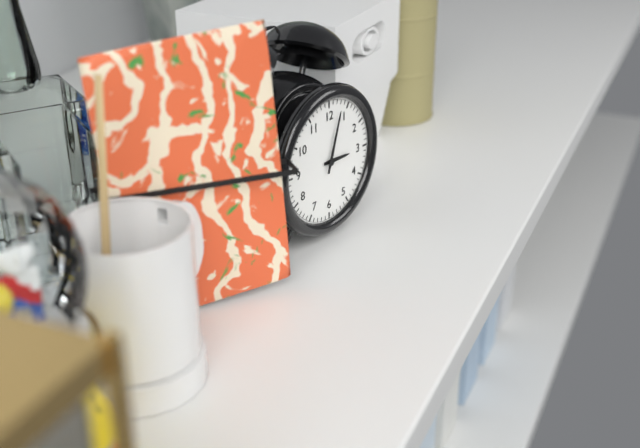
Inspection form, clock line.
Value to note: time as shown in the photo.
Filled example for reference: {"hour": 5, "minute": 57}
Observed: {"hour": 3, "minute": 3}
